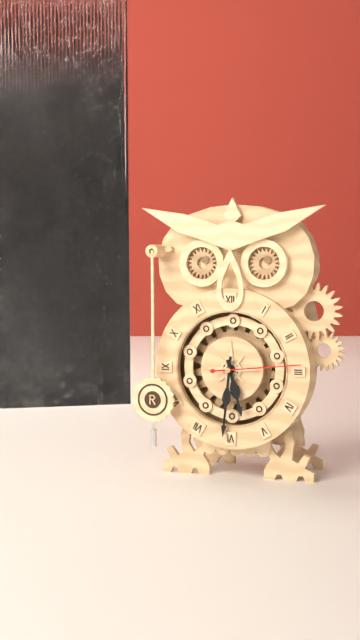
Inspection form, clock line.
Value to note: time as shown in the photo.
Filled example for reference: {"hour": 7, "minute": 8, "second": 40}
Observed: {"hour": 5, "minute": 31, "second": 14}
